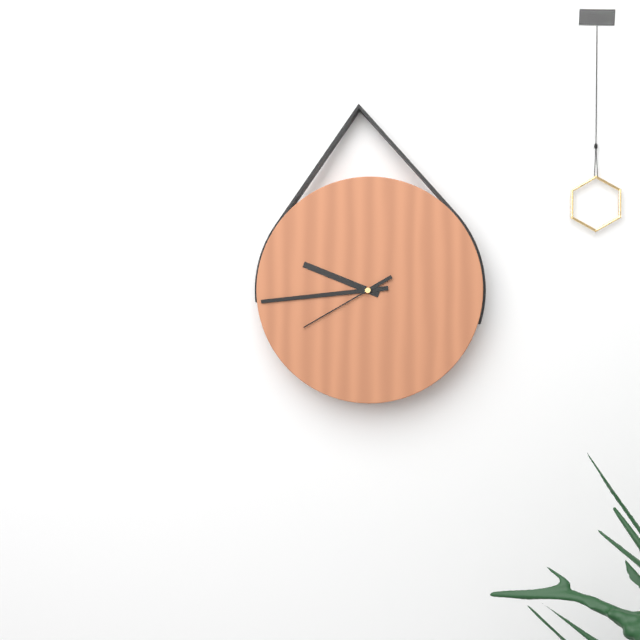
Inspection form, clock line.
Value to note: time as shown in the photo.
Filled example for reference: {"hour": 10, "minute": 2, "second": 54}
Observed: {"hour": 9, "minute": 44, "second": 40}
